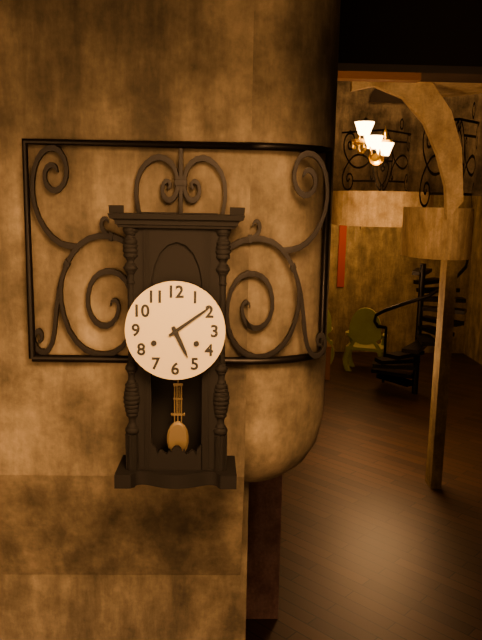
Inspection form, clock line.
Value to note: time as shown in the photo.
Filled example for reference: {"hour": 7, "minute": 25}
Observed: {"hour": 5, "minute": 9}
